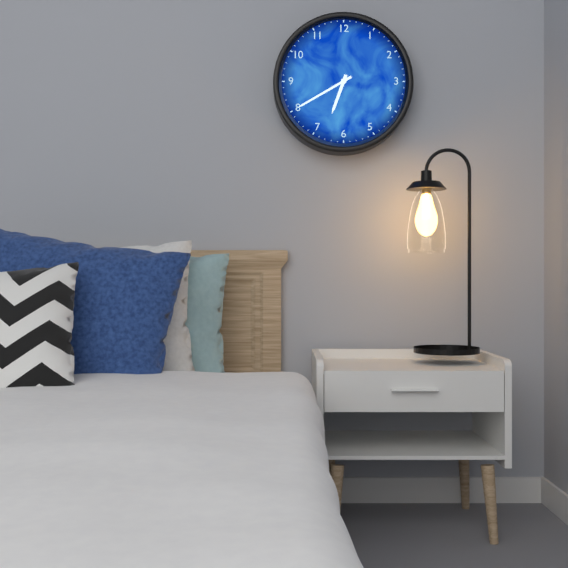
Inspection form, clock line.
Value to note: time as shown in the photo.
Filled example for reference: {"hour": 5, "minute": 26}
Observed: {"hour": 6, "minute": 40}
